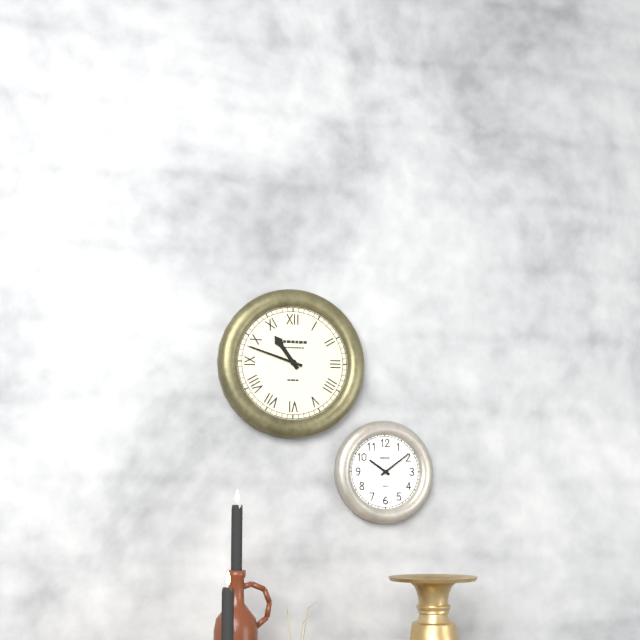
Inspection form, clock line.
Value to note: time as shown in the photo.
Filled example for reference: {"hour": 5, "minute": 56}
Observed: {"hour": 10, "minute": 48}
